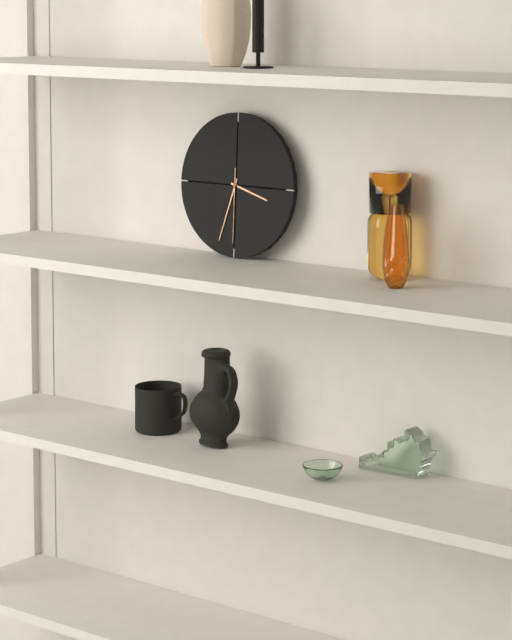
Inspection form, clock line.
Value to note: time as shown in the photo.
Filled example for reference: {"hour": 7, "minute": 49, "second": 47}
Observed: {"hour": 3, "minute": 33, "second": 30}
